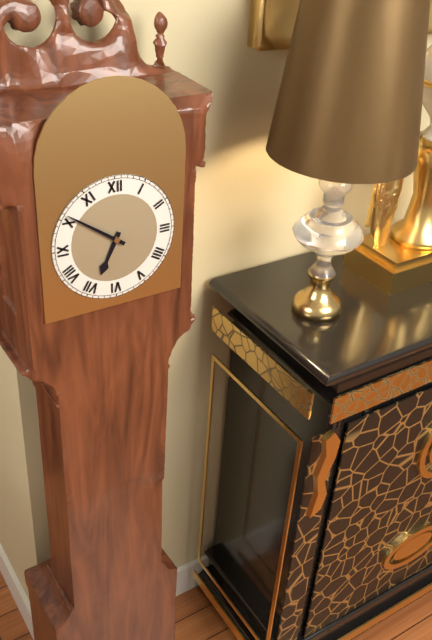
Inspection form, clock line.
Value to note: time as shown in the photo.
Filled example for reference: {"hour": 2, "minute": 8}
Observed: {"hour": 6, "minute": 51}
